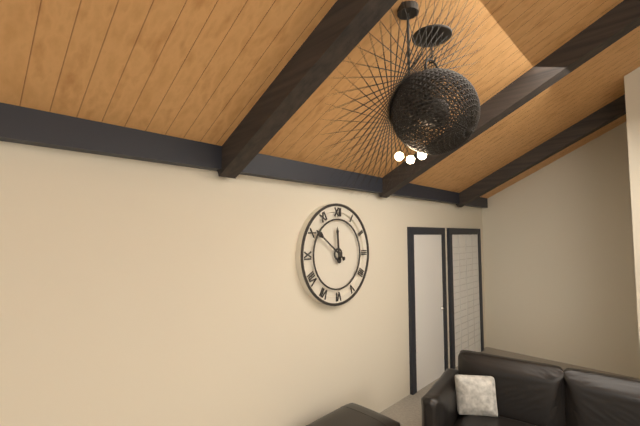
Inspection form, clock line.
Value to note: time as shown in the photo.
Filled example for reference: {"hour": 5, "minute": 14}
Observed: {"hour": 11, "minute": 51}
